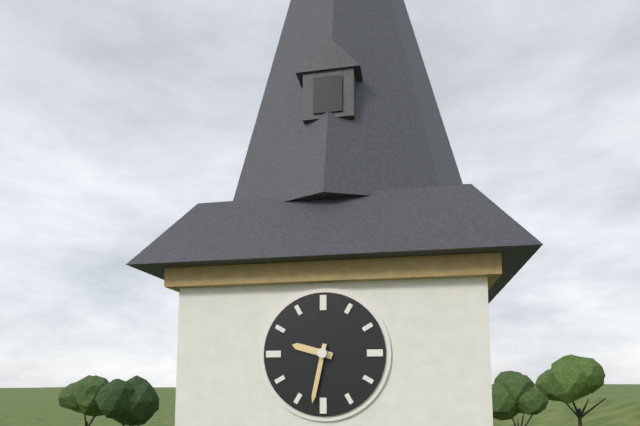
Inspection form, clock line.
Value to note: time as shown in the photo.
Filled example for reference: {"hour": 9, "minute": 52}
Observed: {"hour": 9, "minute": 32}
